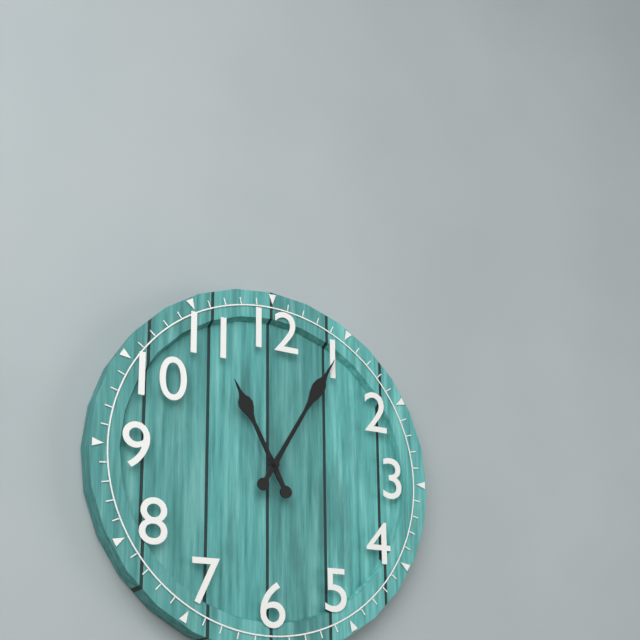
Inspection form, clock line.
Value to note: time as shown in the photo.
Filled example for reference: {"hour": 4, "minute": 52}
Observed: {"hour": 11, "minute": 5}
